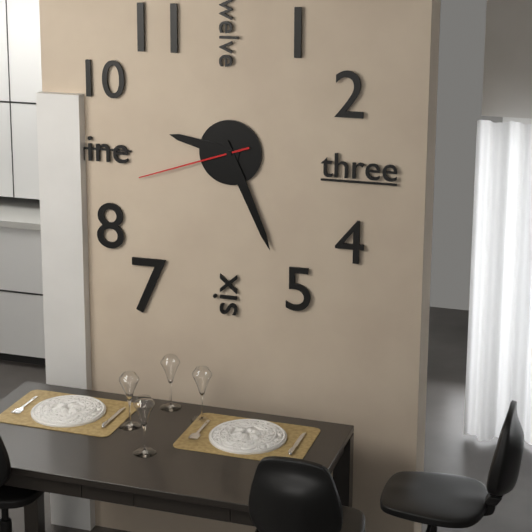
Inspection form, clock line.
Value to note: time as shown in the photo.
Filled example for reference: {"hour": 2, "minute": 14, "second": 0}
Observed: {"hour": 9, "minute": 26, "second": 42}
